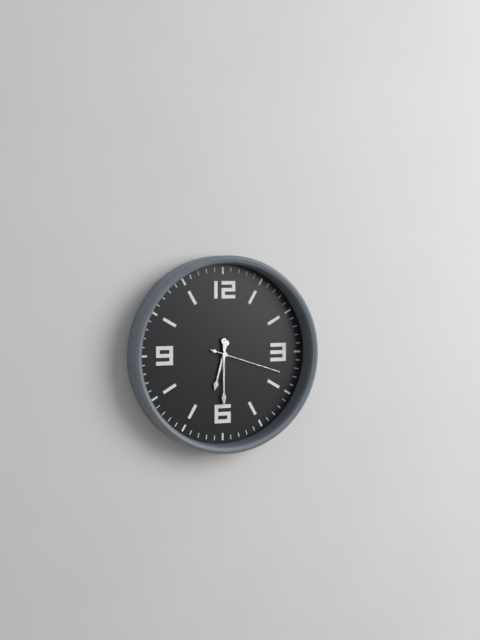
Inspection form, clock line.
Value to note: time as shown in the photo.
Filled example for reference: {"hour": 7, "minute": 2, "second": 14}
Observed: {"hour": 6, "minute": 30, "second": 18}
